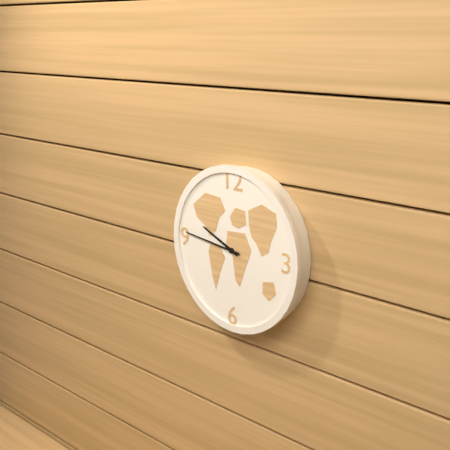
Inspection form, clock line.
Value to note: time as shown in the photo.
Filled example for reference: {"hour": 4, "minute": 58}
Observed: {"hour": 9, "minute": 46}
